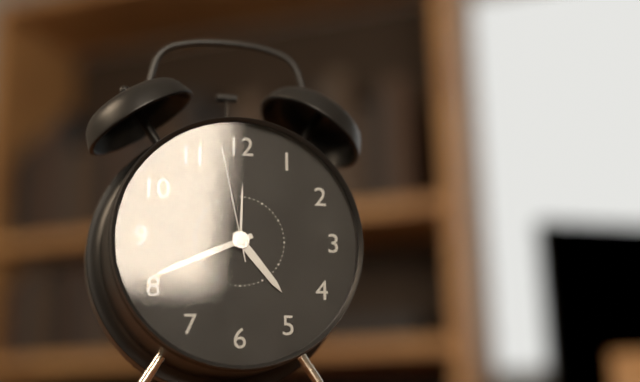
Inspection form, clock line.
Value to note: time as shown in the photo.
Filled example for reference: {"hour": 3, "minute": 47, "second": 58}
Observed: {"hour": 4, "minute": 41, "second": 58}
